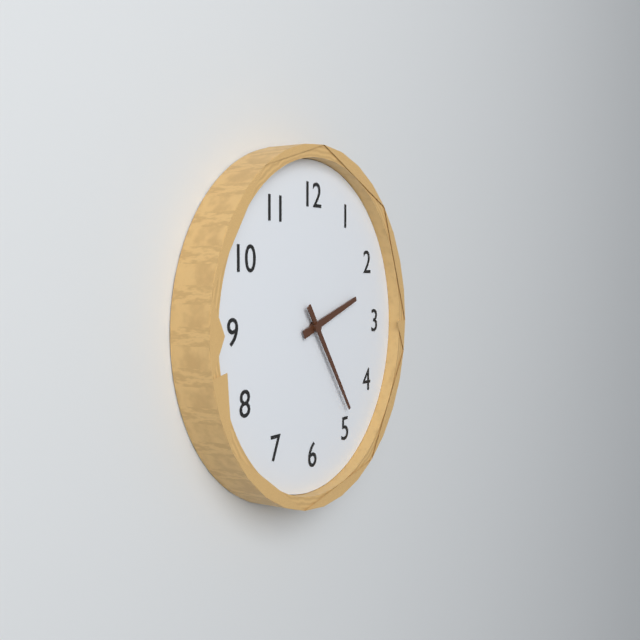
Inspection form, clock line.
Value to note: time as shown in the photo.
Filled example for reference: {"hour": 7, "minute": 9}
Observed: {"hour": 2, "minute": 24}
